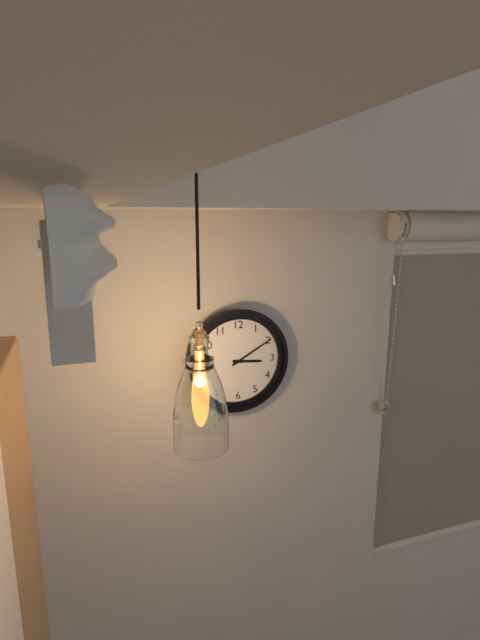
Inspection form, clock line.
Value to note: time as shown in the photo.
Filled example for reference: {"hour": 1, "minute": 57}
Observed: {"hour": 3, "minute": 10}
